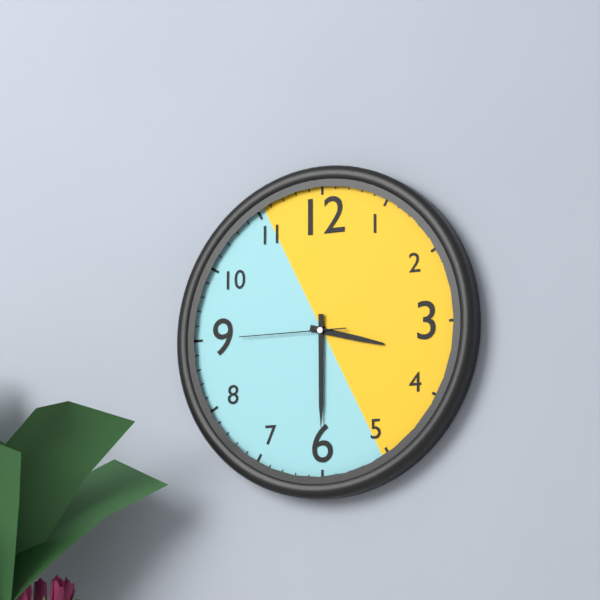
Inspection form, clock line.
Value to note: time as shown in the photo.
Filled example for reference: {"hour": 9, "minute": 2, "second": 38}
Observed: {"hour": 3, "minute": 30, "second": 45}
